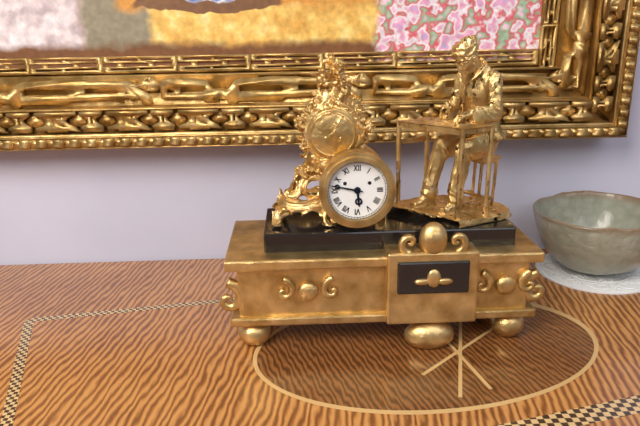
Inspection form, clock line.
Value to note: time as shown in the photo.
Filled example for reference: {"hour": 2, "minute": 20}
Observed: {"hour": 5, "minute": 47}
